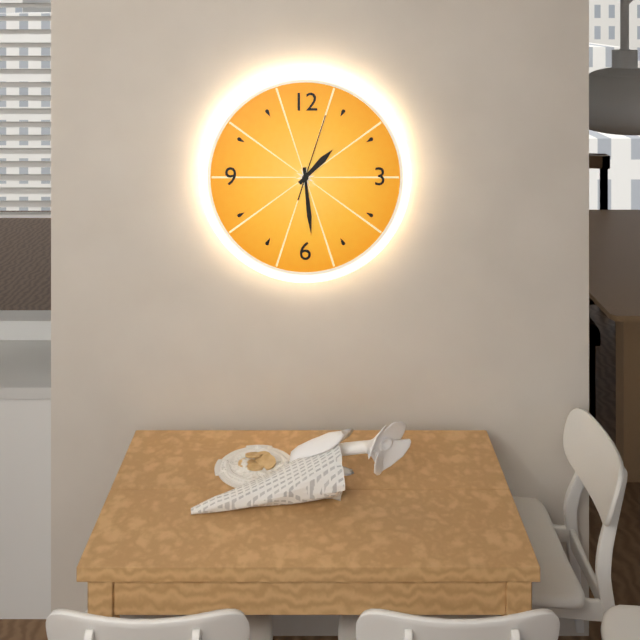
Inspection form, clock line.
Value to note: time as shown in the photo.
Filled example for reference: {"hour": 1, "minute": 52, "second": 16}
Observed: {"hour": 1, "minute": 29, "second": 3}
